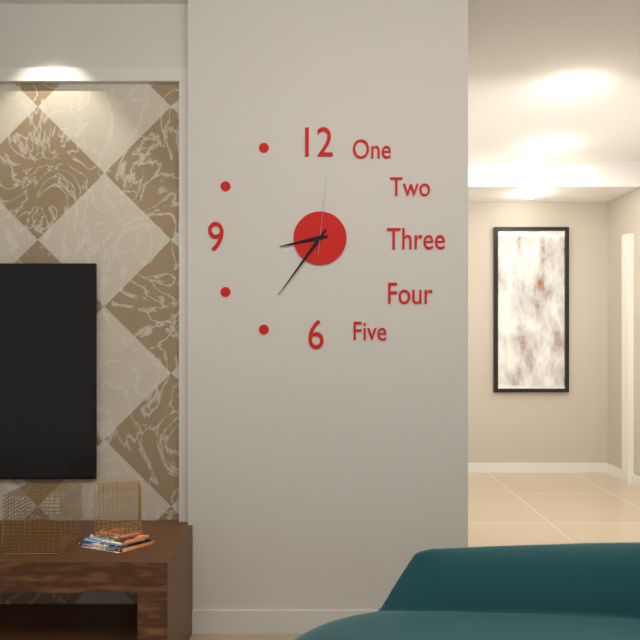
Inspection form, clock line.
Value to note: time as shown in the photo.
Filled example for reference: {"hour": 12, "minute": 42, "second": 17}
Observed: {"hour": 8, "minute": 36, "second": 1}
